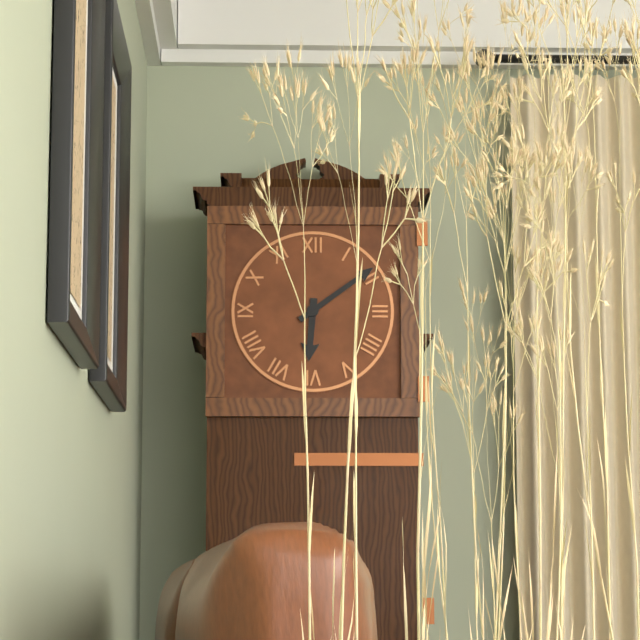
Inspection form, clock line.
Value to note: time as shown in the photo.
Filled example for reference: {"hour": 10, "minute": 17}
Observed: {"hour": 6, "minute": 9}
